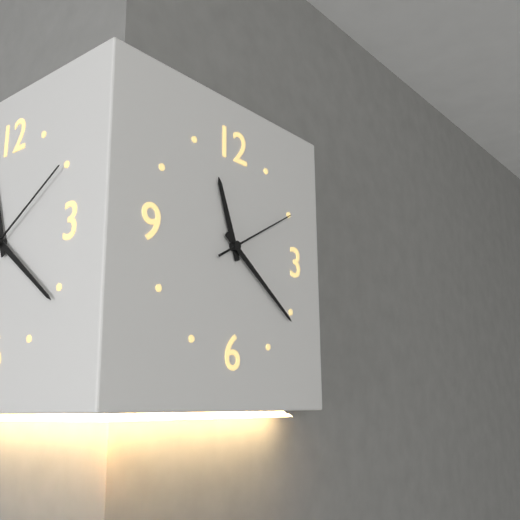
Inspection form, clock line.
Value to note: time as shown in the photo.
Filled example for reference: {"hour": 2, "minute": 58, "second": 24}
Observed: {"hour": 11, "minute": 21, "second": 10}
